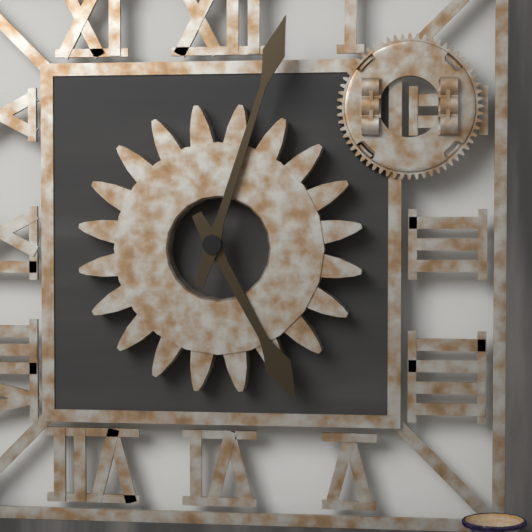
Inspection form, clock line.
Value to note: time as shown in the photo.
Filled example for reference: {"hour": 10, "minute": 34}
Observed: {"hour": 5, "minute": 3}
